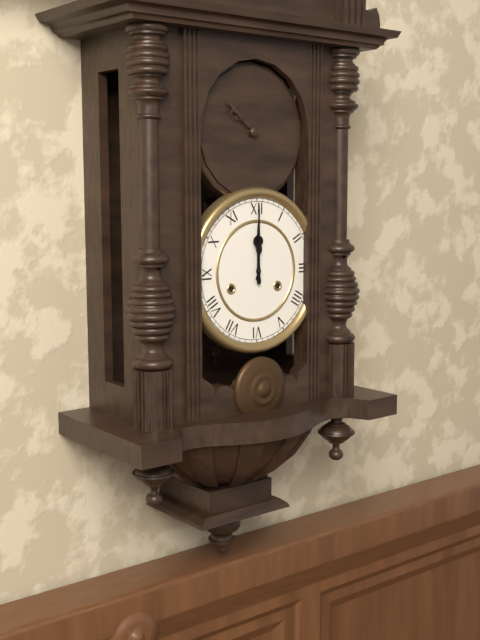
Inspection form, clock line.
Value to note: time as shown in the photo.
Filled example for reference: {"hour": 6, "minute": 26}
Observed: {"hour": 12, "minute": 0}
